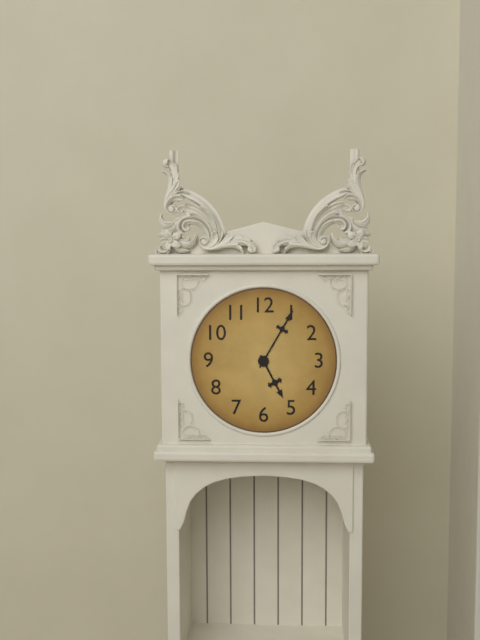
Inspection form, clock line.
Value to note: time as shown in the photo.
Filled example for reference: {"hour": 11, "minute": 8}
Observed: {"hour": 5, "minute": 5}
